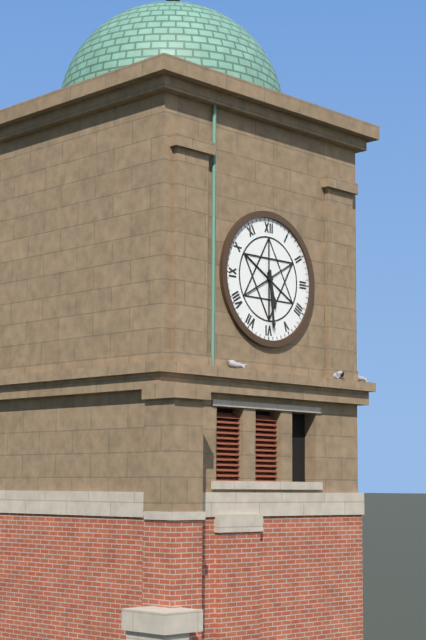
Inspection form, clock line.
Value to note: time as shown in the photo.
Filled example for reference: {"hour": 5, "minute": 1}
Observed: {"hour": 5, "minute": 29}
